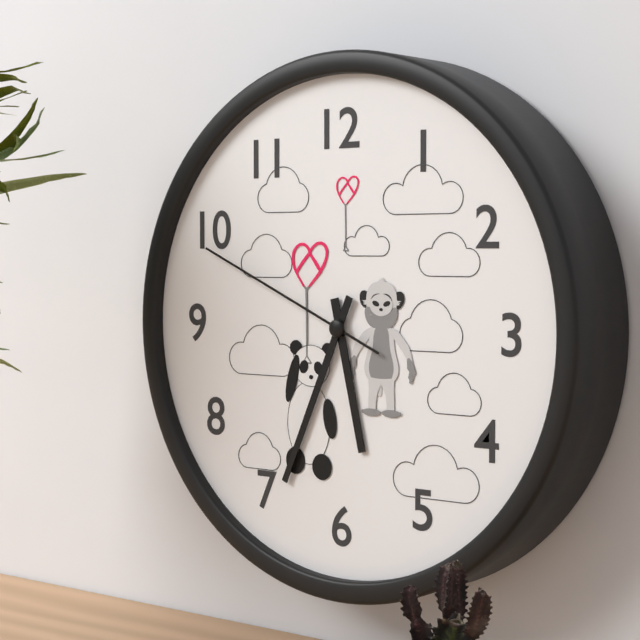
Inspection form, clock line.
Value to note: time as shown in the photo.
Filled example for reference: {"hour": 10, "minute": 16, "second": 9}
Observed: {"hour": 5, "minute": 34, "second": 49}
